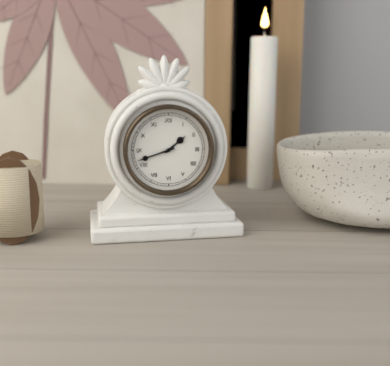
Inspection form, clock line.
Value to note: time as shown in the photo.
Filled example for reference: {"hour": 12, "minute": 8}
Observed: {"hour": 1, "minute": 42}
